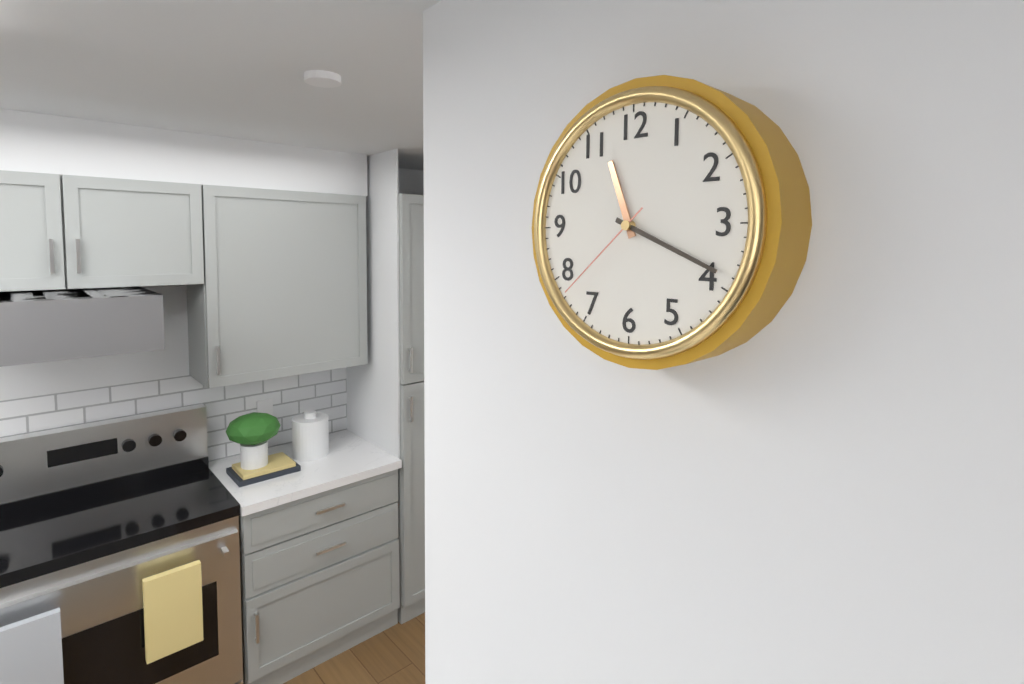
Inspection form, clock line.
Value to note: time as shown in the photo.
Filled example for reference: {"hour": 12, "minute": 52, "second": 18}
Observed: {"hour": 11, "minute": 19, "second": 38}
